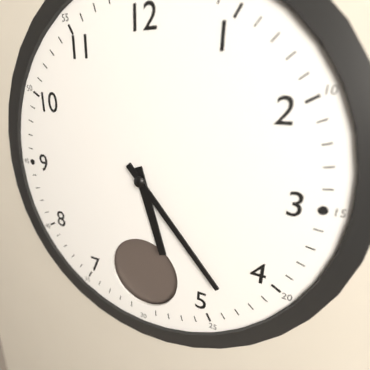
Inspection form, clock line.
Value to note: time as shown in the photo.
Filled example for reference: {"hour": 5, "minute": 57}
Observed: {"hour": 5, "minute": 23}
